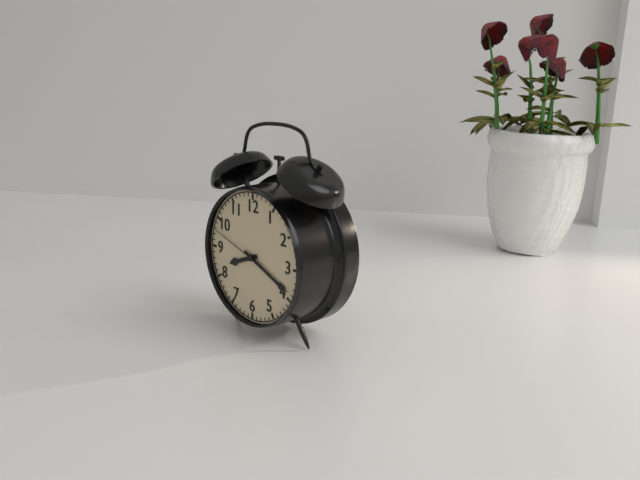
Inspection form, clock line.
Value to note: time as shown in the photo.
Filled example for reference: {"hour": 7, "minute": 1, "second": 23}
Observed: {"hour": 8, "minute": 19, "second": 48}
